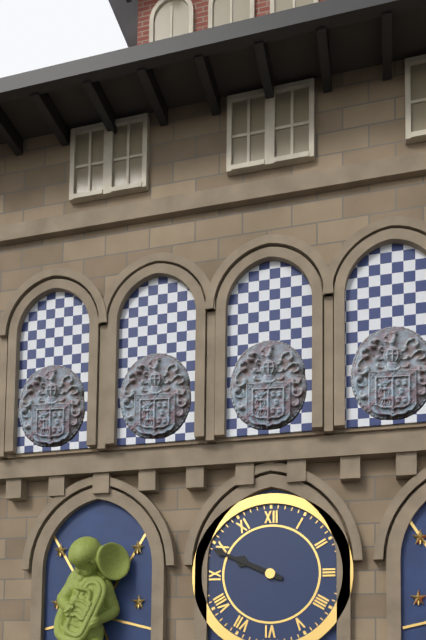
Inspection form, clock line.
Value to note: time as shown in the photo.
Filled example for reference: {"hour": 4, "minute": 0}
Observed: {"hour": 9, "minute": 49}
